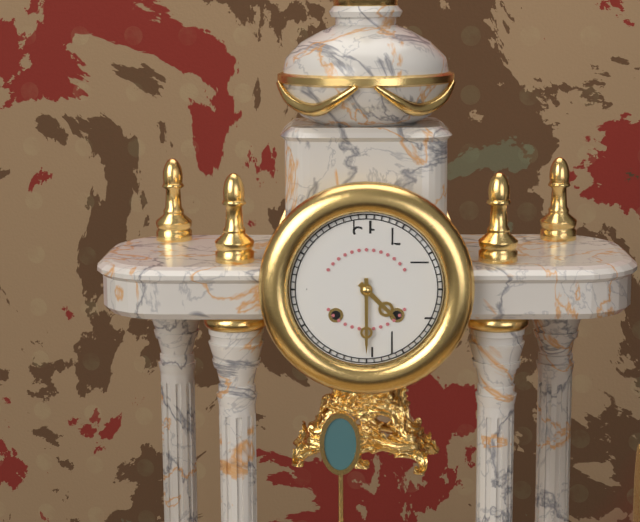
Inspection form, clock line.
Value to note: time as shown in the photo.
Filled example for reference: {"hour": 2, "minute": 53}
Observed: {"hour": 4, "minute": 30}
